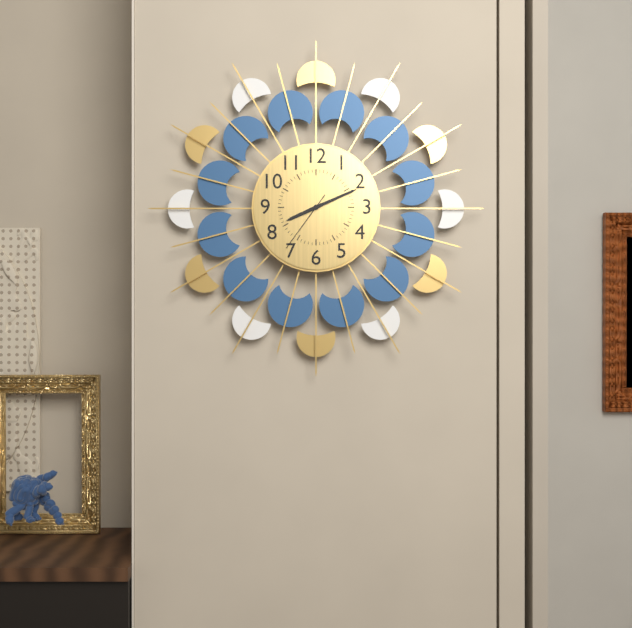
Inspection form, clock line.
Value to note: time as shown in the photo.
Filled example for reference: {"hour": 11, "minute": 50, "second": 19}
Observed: {"hour": 8, "minute": 11, "second": 36}
